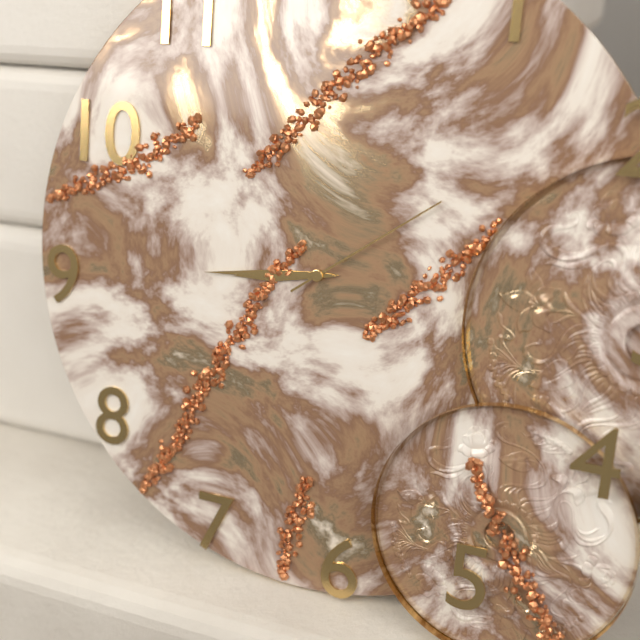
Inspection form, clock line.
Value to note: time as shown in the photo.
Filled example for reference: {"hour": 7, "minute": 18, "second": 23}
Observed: {"hour": 8, "minute": 44, "second": 9}
